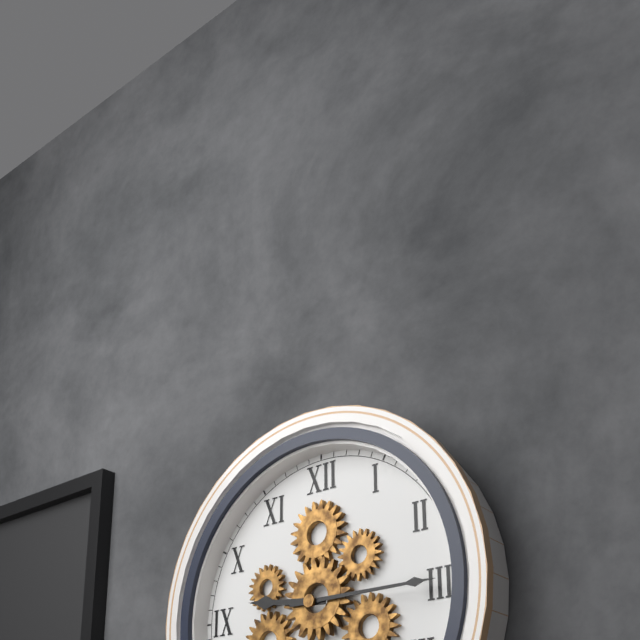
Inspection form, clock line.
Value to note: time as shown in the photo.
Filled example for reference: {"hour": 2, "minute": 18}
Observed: {"hour": 9, "minute": 15}
